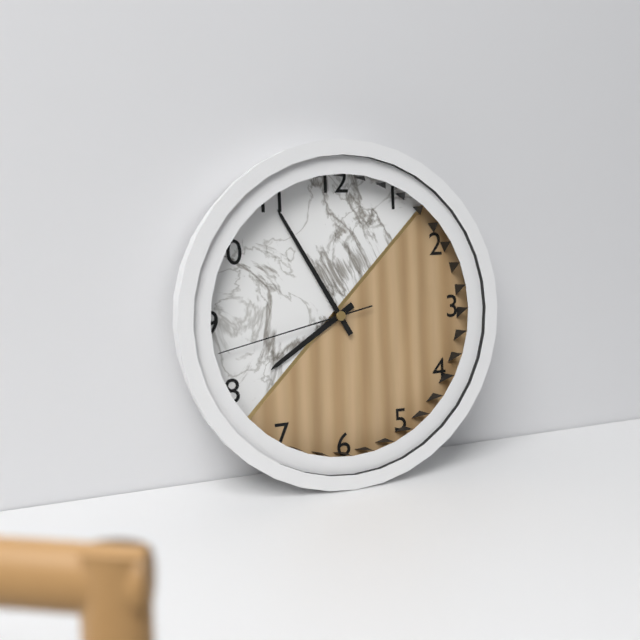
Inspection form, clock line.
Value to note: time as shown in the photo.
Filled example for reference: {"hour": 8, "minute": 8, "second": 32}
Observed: {"hour": 7, "minute": 55, "second": 43}
